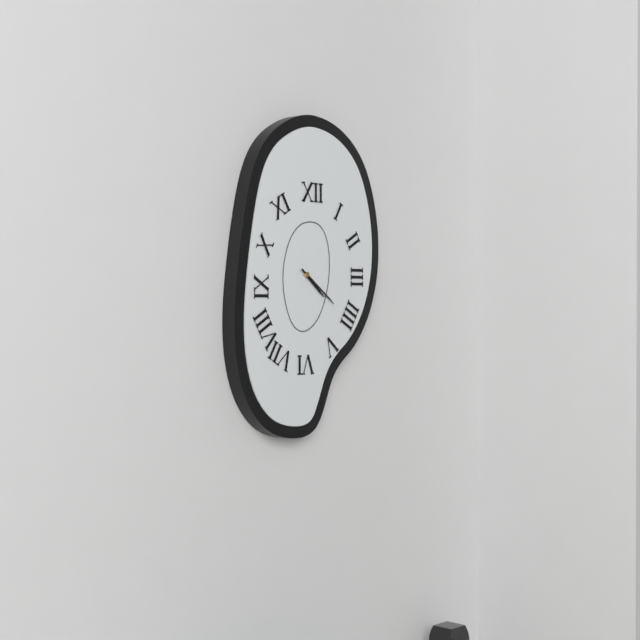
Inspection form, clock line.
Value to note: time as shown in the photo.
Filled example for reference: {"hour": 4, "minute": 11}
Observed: {"hour": 4, "minute": 21}
